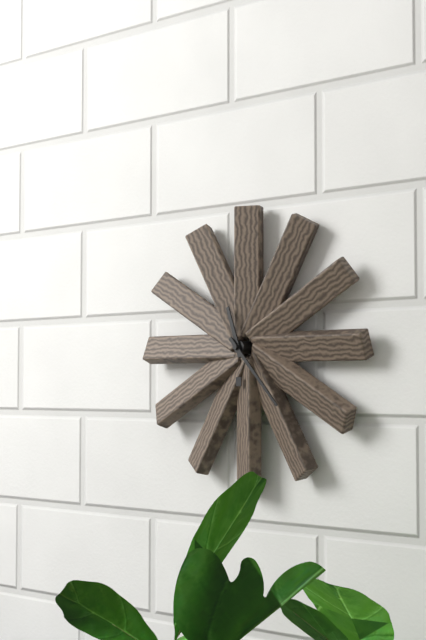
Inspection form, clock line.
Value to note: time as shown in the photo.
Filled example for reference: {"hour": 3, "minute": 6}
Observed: {"hour": 11, "minute": 23}
